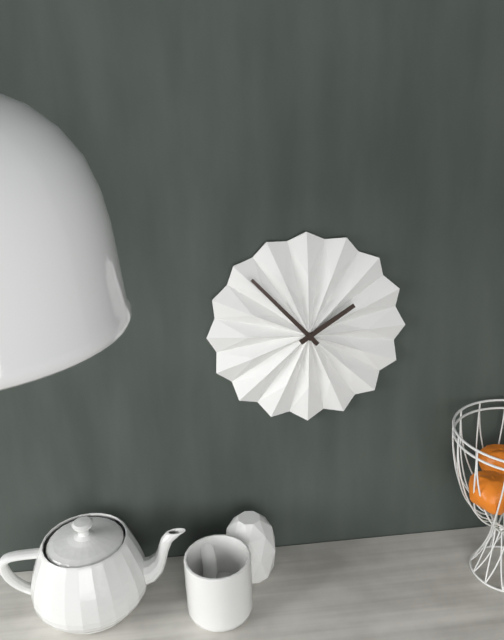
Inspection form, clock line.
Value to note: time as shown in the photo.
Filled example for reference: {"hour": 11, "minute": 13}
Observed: {"hour": 1, "minute": 53}
